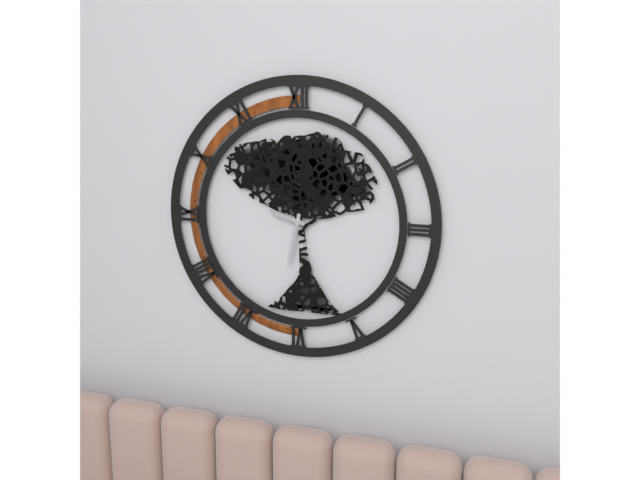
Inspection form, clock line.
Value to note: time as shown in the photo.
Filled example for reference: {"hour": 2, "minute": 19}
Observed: {"hour": 9, "minute": 32}
